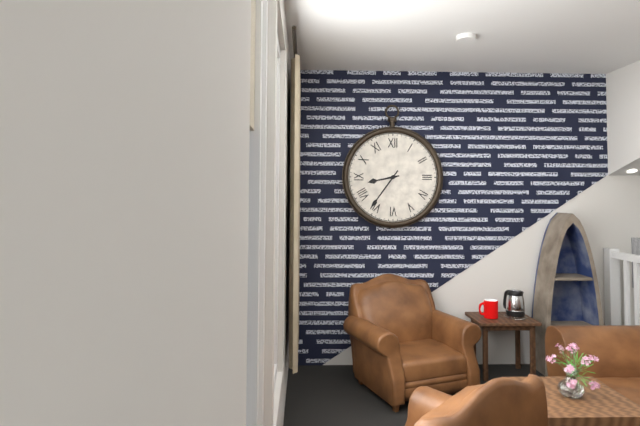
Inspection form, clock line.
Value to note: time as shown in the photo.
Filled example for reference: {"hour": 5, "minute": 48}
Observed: {"hour": 8, "minute": 36}
